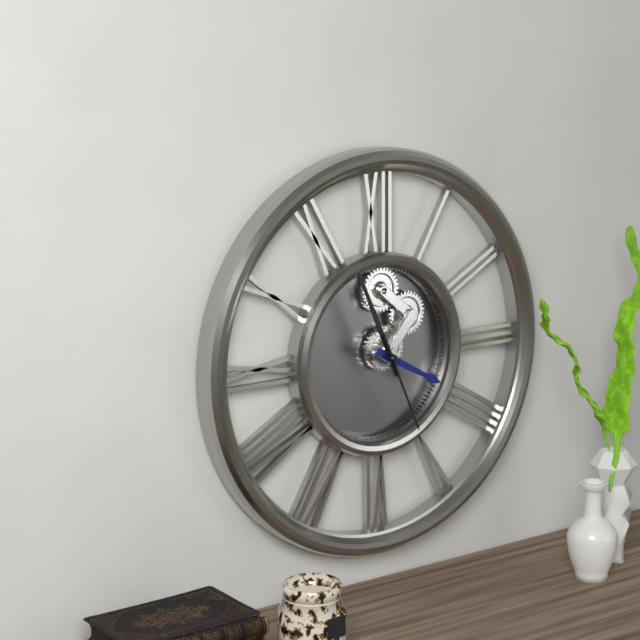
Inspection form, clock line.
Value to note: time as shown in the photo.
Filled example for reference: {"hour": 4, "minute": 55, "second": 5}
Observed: {"hour": 3, "minute": 56, "second": 26}
